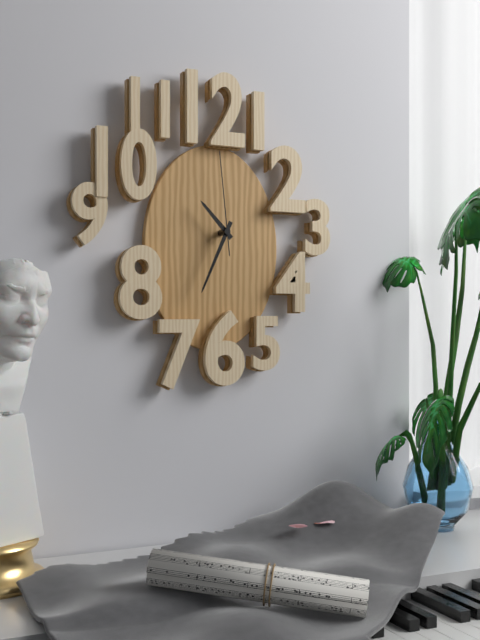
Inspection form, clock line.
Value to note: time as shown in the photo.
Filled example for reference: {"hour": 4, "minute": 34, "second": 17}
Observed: {"hour": 10, "minute": 34, "second": 59}
